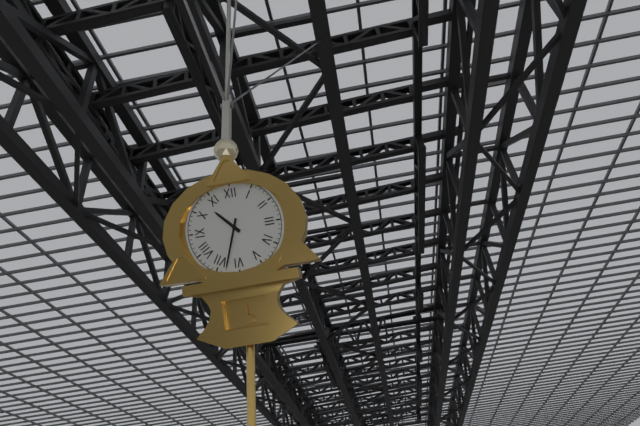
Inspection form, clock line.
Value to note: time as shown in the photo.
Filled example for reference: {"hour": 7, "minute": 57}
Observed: {"hour": 10, "minute": 33}
